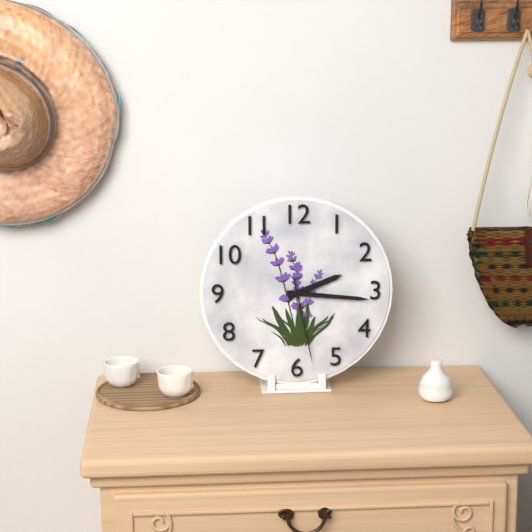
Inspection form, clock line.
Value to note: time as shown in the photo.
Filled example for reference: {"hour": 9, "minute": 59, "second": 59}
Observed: {"hour": 2, "minute": 16, "second": 28}
